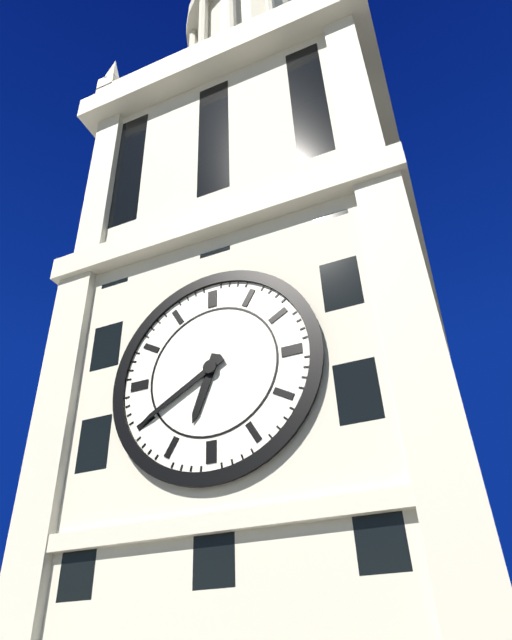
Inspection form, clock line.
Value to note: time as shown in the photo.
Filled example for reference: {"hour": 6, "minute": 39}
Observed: {"hour": 6, "minute": 40}
